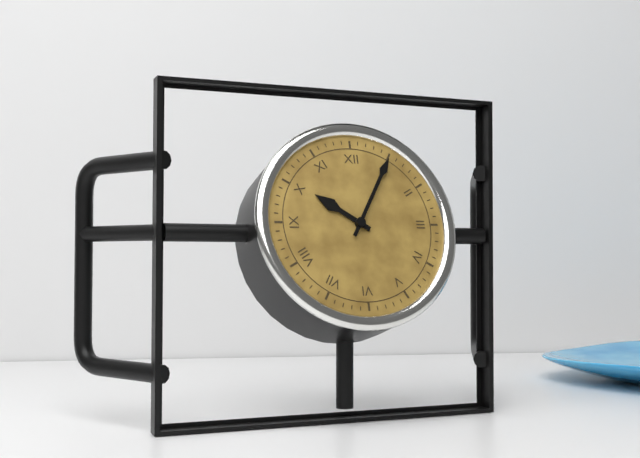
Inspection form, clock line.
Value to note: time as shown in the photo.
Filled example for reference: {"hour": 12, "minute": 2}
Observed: {"hour": 10, "minute": 5}
